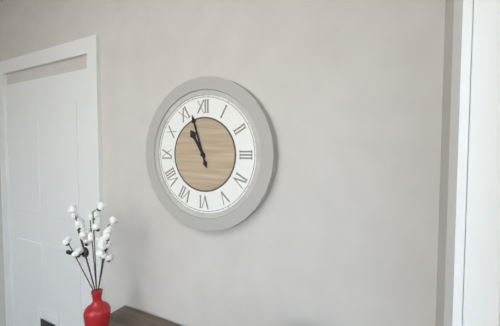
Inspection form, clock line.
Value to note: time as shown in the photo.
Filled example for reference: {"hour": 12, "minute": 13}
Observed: {"hour": 10, "minute": 57}
